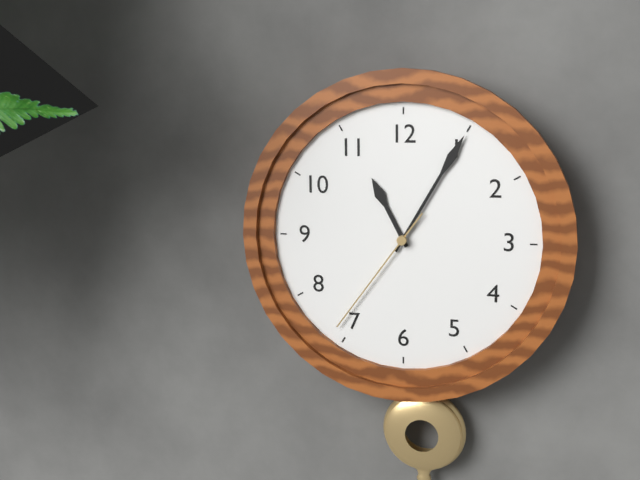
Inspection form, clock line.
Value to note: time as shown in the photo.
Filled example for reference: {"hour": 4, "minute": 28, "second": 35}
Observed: {"hour": 11, "minute": 5, "second": 36}
